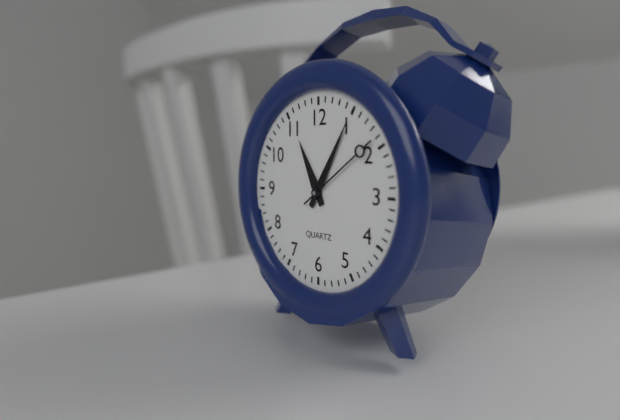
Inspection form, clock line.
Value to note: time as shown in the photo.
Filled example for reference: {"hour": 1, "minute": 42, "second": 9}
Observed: {"hour": 11, "minute": 5, "second": 9}
